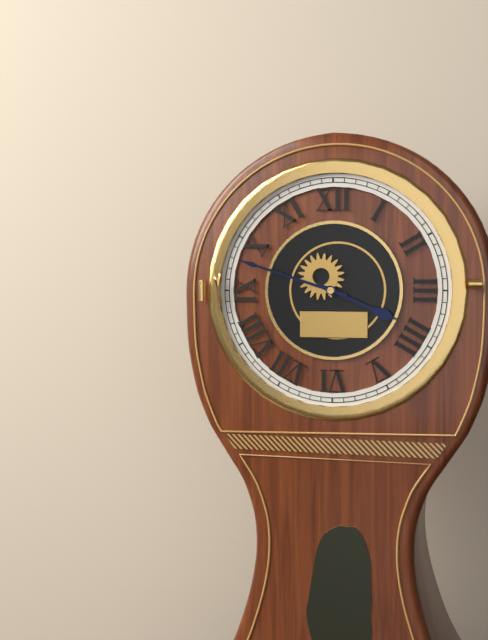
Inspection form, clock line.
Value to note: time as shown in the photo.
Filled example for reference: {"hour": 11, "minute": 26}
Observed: {"hour": 3, "minute": 48}
